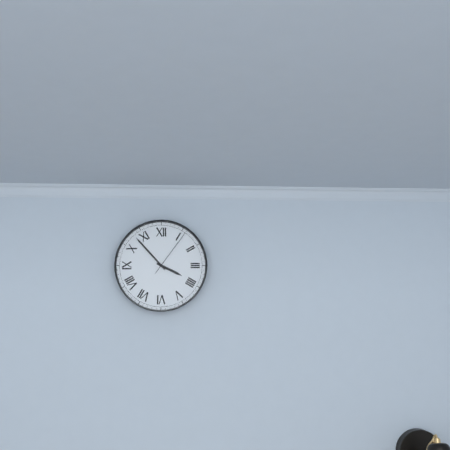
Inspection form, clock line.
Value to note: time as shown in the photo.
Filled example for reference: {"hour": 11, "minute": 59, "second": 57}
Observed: {"hour": 3, "minute": 53, "second": 6}
